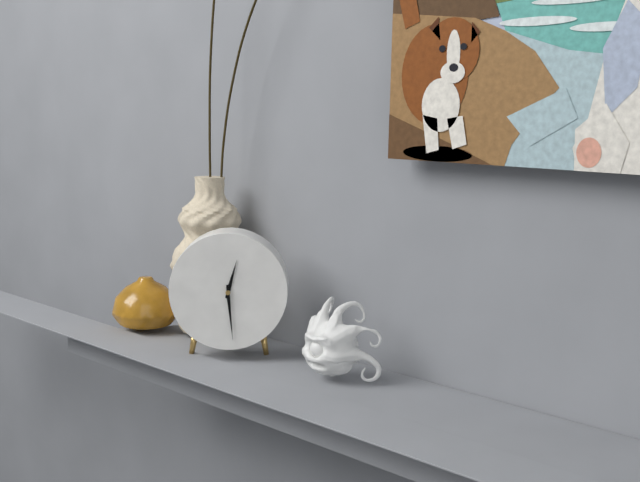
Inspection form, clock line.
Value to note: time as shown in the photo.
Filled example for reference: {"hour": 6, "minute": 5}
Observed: {"hour": 12, "minute": 29}
